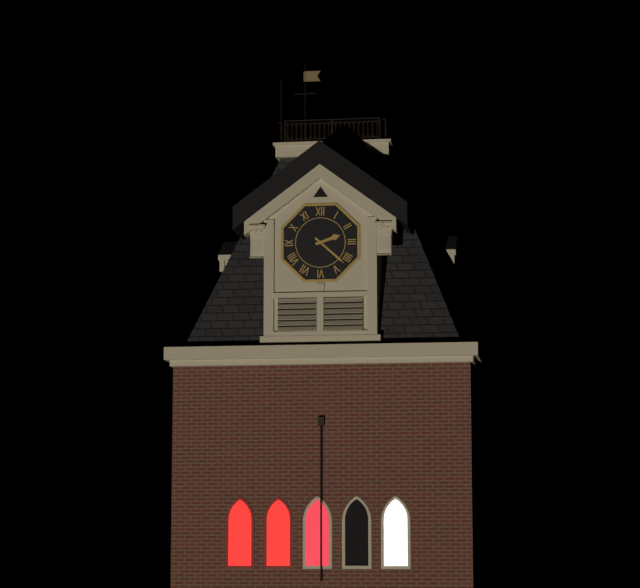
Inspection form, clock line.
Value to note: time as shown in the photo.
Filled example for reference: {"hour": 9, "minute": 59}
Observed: {"hour": 2, "minute": 22}
